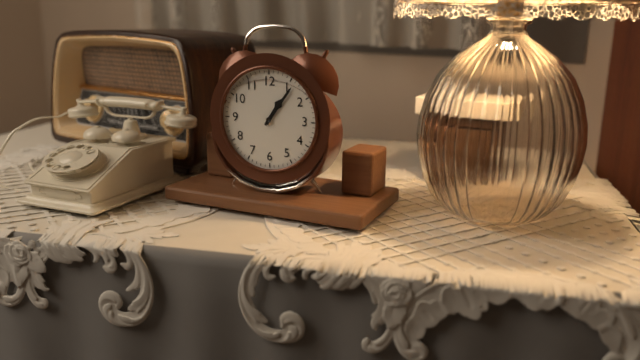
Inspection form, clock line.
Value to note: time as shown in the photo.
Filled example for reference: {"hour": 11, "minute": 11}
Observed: {"hour": 1, "minute": 6}
